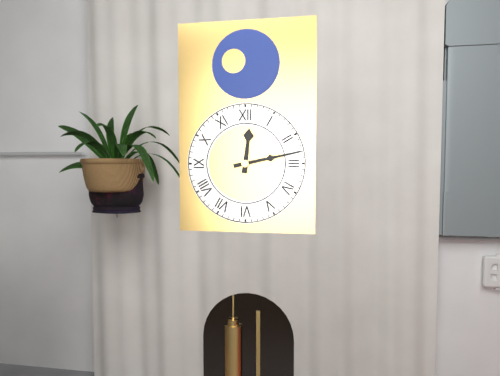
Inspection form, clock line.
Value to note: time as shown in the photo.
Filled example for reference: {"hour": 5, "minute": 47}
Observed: {"hour": 12, "minute": 13}
